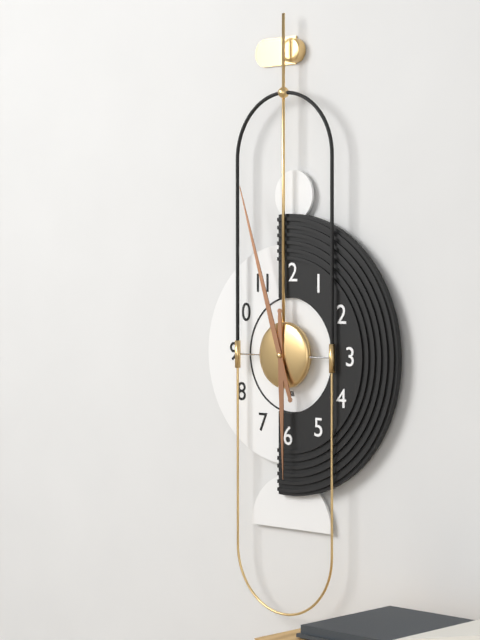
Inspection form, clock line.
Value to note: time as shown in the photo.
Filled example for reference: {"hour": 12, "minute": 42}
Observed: {"hour": 5, "minute": 57}
